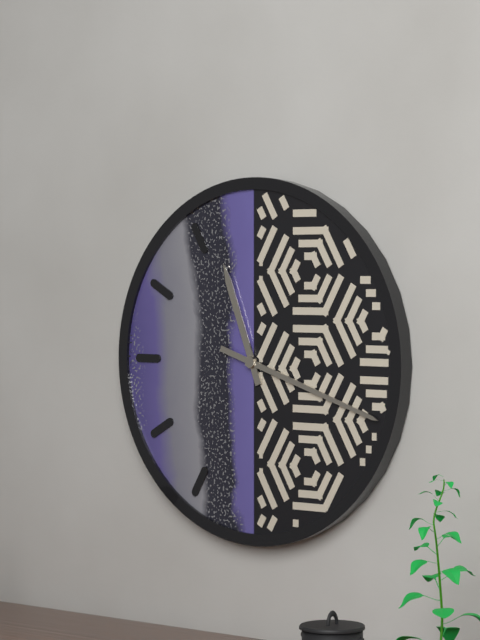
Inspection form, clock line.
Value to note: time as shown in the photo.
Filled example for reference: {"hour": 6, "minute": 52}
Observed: {"hour": 11, "minute": 18}
